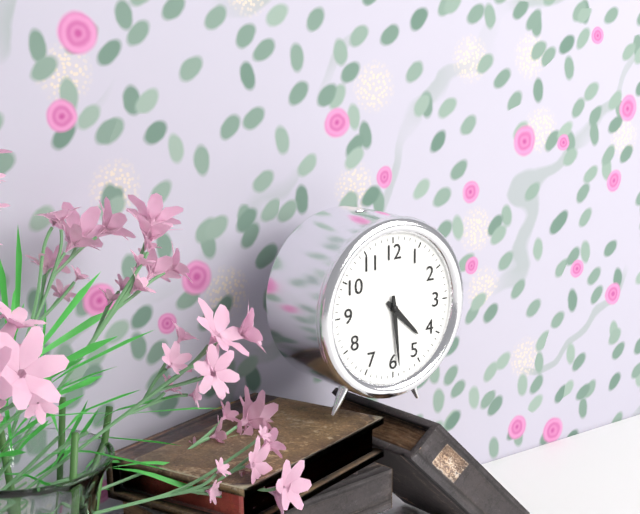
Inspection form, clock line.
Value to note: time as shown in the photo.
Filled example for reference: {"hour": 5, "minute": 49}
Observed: {"hour": 4, "minute": 29}
